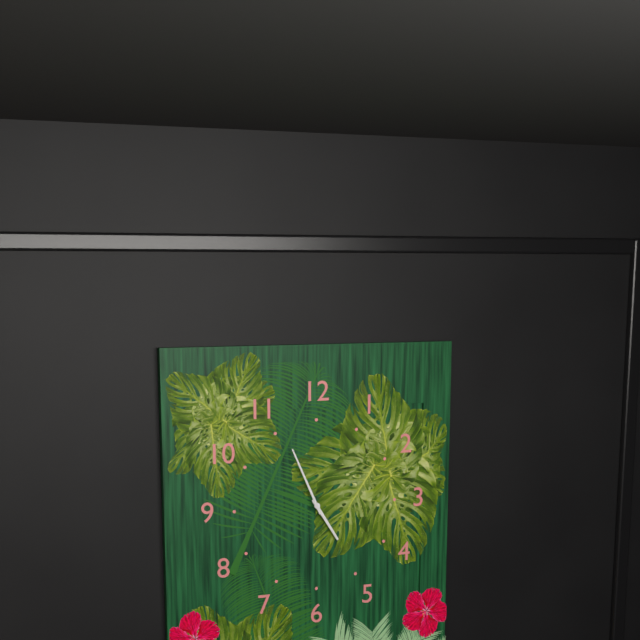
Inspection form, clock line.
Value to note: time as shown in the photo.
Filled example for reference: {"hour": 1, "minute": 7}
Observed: {"hour": 4, "minute": 56}
